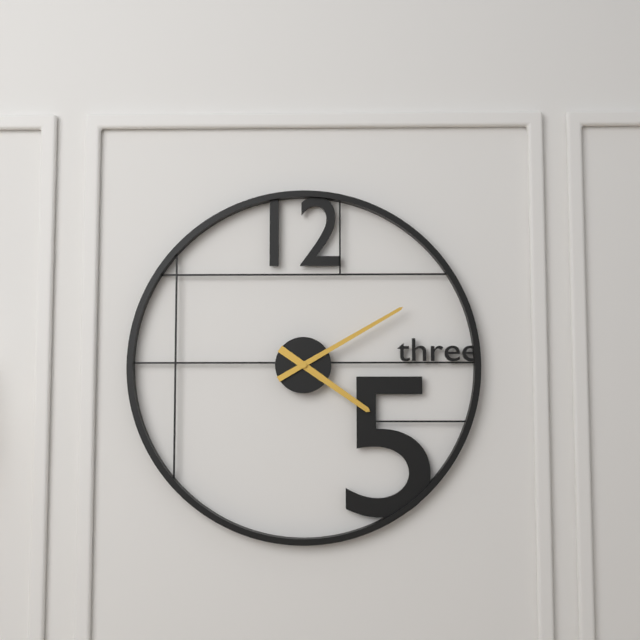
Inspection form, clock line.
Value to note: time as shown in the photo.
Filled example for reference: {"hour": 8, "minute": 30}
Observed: {"hour": 4, "minute": 10}
